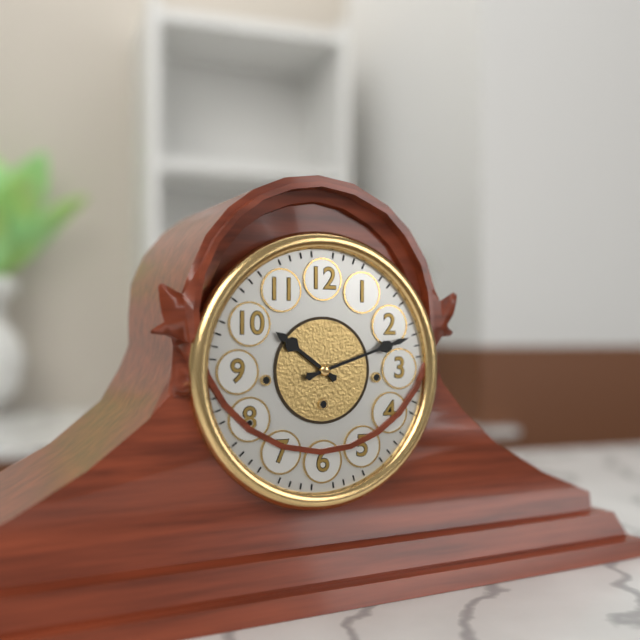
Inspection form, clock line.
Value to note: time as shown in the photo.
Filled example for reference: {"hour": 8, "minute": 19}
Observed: {"hour": 10, "minute": 12}
